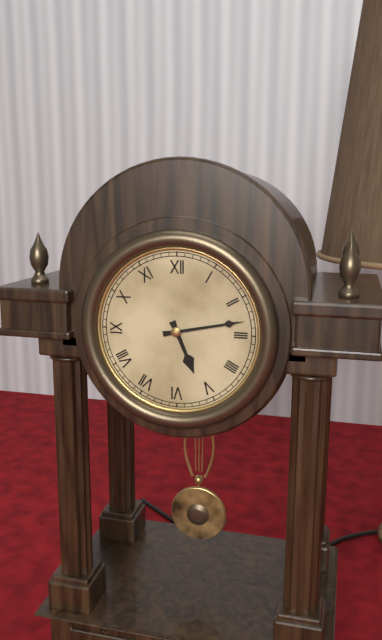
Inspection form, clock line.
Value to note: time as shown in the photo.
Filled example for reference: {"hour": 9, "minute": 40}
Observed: {"hour": 5, "minute": 13}
